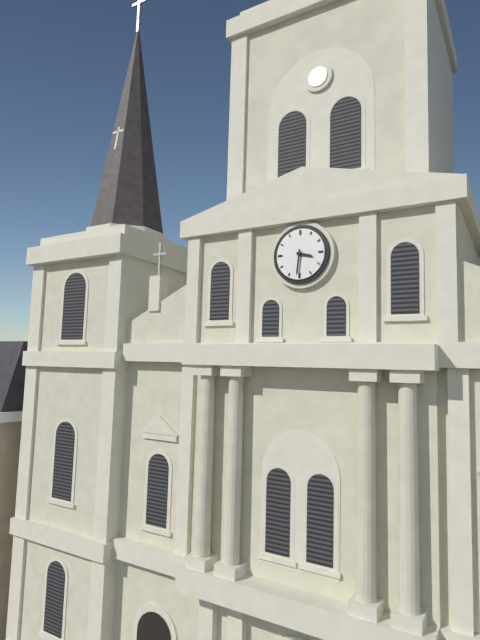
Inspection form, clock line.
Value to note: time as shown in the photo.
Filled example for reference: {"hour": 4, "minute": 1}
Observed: {"hour": 3, "minute": 31}
